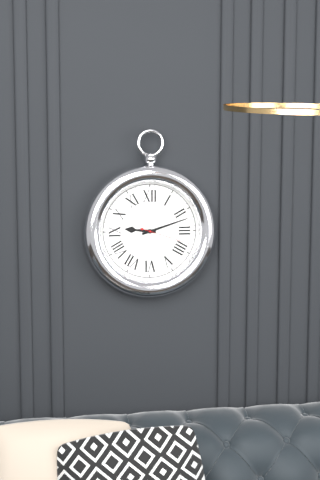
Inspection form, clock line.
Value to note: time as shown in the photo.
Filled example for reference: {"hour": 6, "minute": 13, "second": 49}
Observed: {"hour": 9, "minute": 12, "second": 18}
